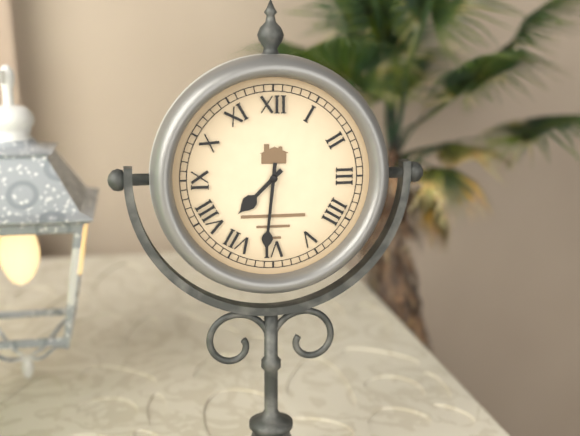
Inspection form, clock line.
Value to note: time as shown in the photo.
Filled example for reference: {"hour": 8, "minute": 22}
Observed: {"hour": 7, "minute": 31}
